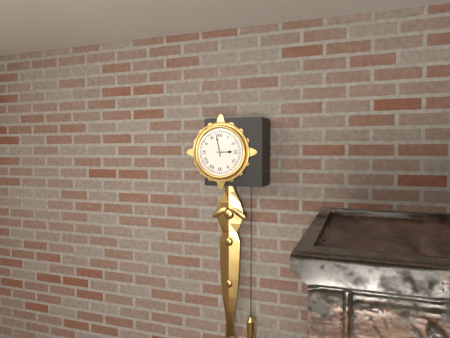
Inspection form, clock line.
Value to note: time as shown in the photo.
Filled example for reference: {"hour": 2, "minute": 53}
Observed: {"hour": 2, "minute": 58}
